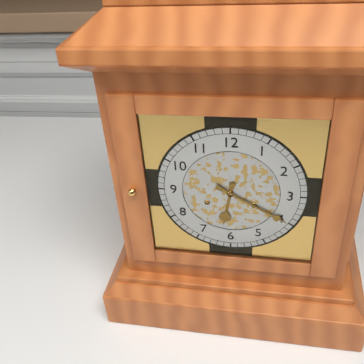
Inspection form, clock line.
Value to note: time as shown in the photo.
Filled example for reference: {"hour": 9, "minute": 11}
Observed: {"hour": 6, "minute": 20}
